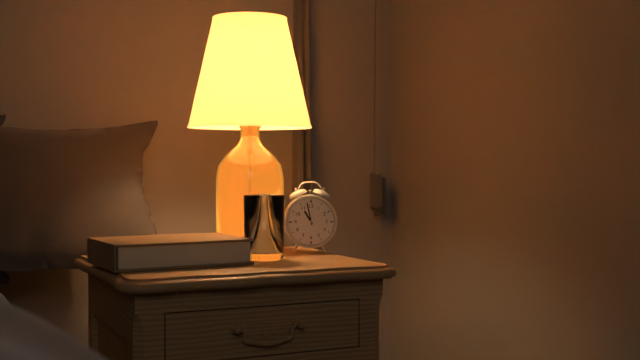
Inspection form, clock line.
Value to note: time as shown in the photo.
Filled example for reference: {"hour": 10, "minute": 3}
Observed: {"hour": 10, "minute": 58}
